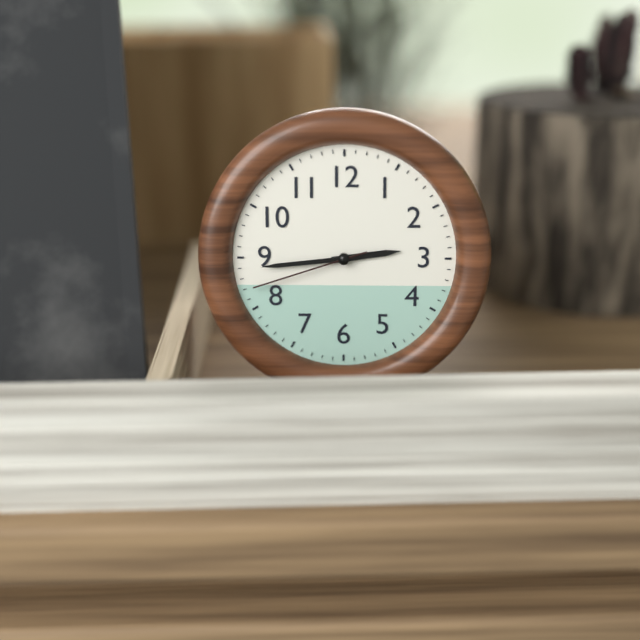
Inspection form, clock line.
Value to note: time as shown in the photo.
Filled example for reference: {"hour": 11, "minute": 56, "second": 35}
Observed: {"hour": 2, "minute": 44, "second": 42}
